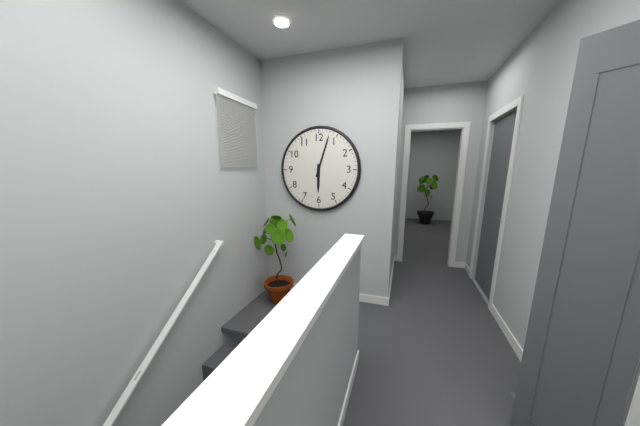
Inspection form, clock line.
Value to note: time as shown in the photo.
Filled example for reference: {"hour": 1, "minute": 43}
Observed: {"hour": 6, "minute": 3}
